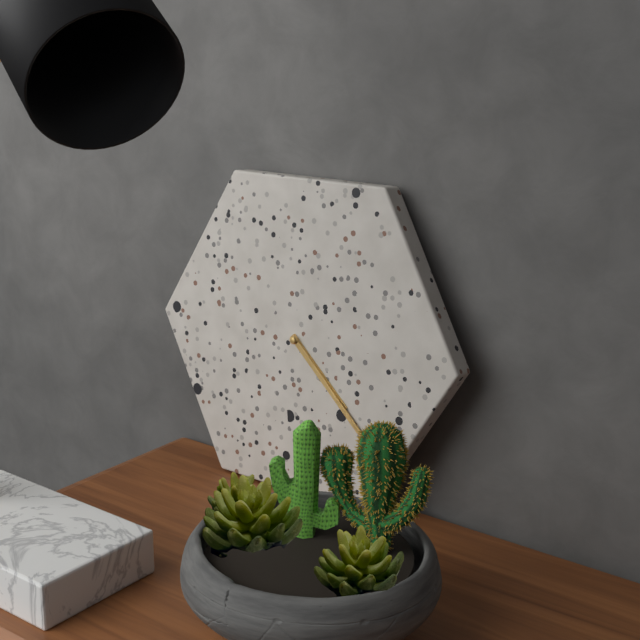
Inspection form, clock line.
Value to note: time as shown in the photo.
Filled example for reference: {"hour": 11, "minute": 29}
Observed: {"hour": 4, "minute": 22}
